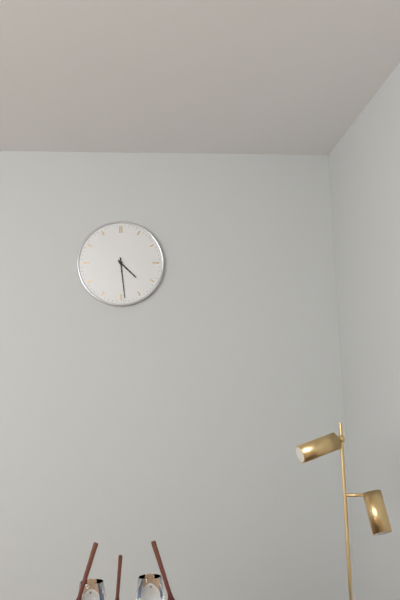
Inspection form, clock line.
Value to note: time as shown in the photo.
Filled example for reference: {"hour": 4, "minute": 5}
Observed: {"hour": 4, "minute": 29}
